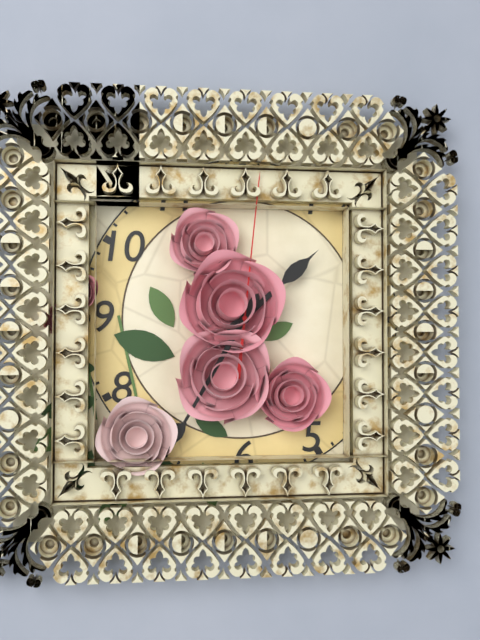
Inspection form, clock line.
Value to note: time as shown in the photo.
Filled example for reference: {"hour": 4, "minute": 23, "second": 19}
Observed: {"hour": 1, "minute": 35, "second": 1}
